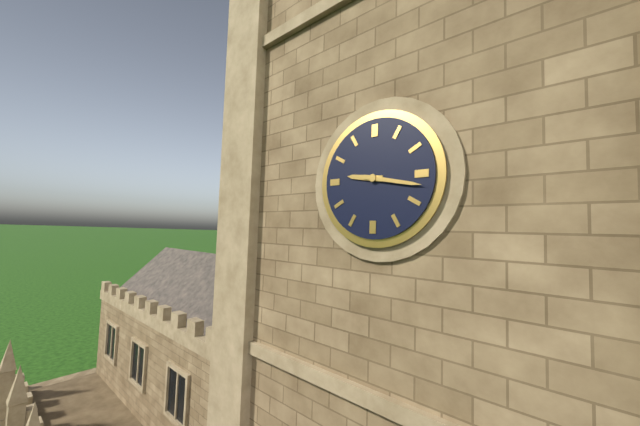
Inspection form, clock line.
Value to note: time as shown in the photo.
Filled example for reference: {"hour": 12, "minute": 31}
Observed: {"hour": 9, "minute": 17}
